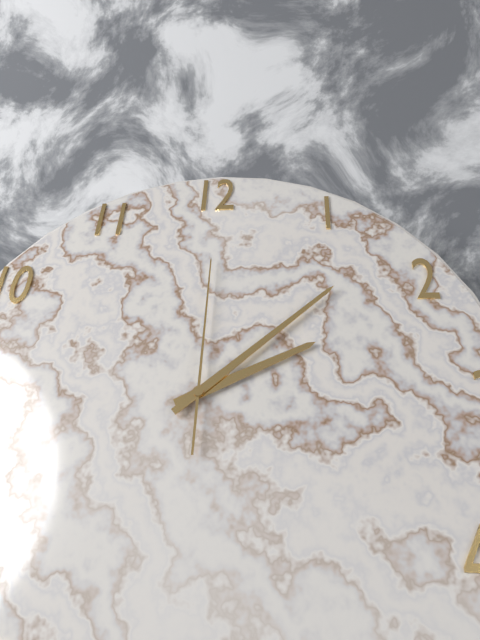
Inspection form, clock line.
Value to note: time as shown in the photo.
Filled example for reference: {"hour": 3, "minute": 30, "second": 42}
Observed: {"hour": 2, "minute": 8, "second": 0}
